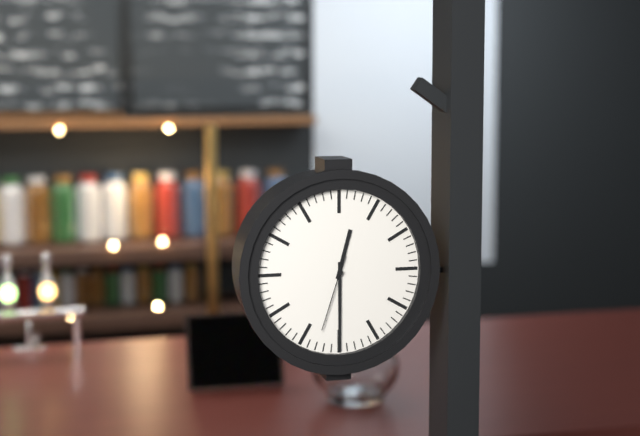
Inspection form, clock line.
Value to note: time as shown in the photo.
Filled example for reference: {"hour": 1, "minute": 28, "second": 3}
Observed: {"hour": 12, "minute": 30, "second": 33}
